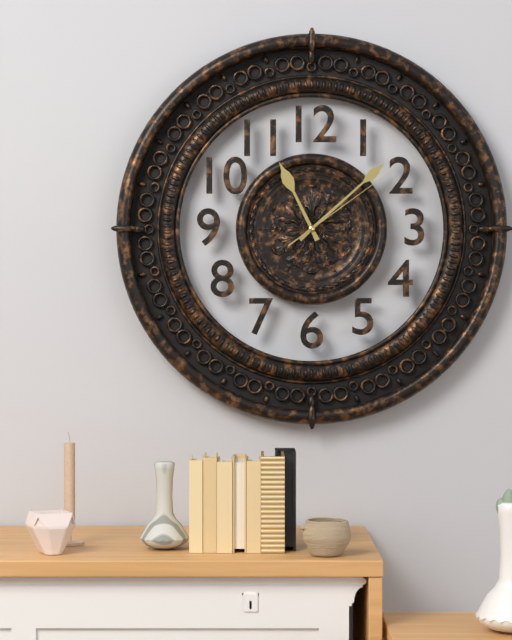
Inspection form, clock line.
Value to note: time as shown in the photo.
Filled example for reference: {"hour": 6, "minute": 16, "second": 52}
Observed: {"hour": 11, "minute": 8, "second": 9}
